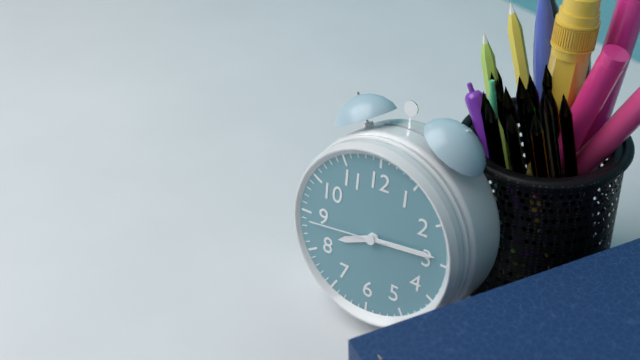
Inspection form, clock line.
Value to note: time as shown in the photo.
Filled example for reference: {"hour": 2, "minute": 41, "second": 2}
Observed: {"hour": 8, "minute": 14, "second": 44}
